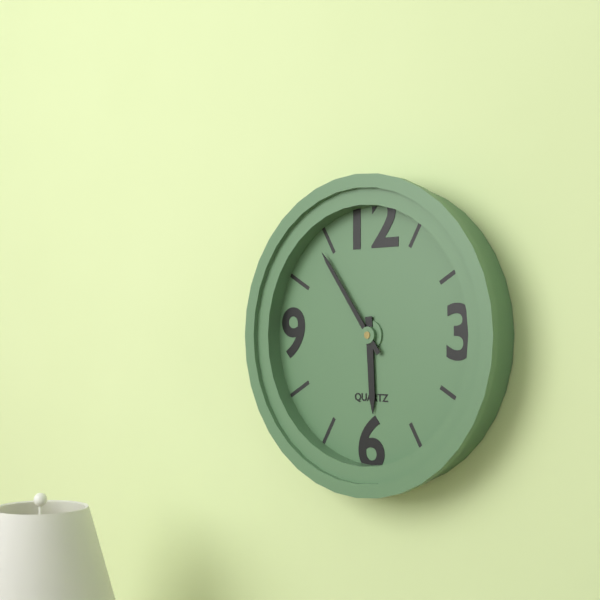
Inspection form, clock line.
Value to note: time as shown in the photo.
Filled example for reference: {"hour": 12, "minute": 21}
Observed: {"hour": 5, "minute": 54}
